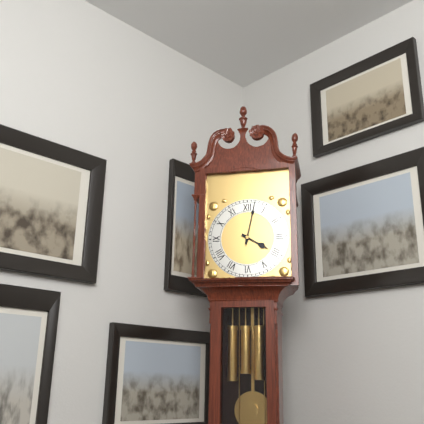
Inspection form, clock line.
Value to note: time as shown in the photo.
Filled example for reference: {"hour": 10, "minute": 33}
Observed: {"hour": 4, "minute": 2}
